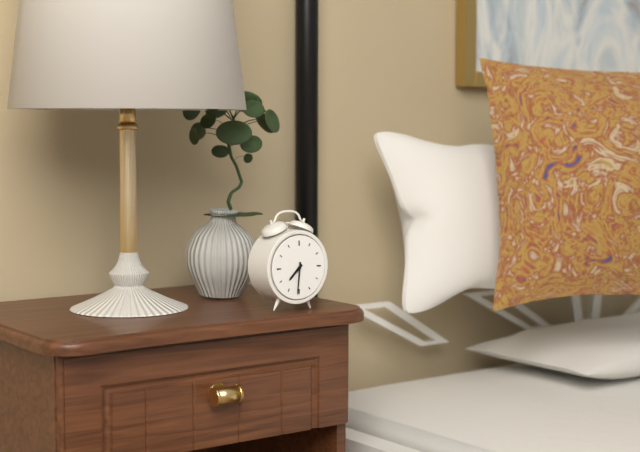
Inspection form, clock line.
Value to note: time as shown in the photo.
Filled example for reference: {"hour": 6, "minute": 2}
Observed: {"hour": 7, "minute": 31}
